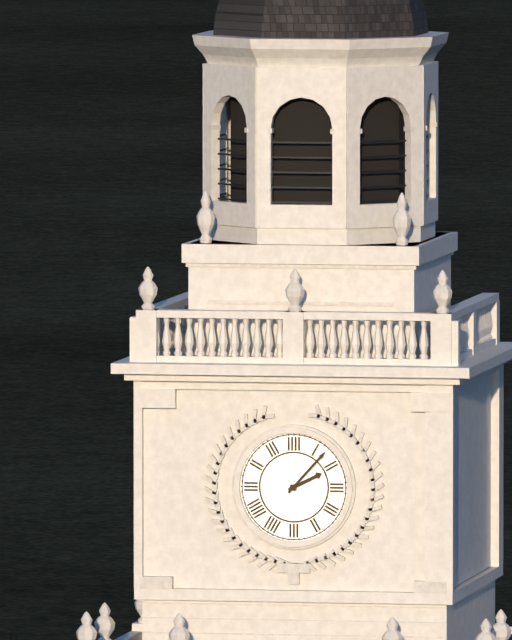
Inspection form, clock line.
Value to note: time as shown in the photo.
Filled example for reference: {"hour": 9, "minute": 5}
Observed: {"hour": 2, "minute": 7}
